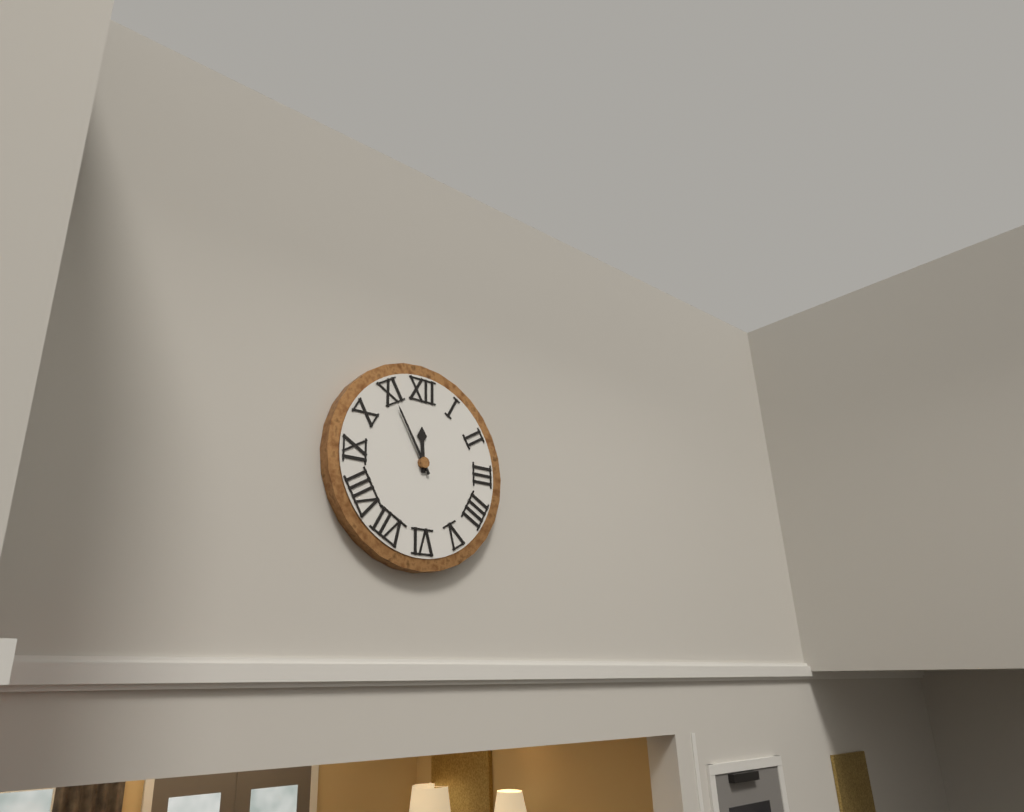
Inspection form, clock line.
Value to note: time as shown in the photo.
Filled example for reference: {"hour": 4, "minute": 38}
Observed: {"hour": 11, "minute": 55}
